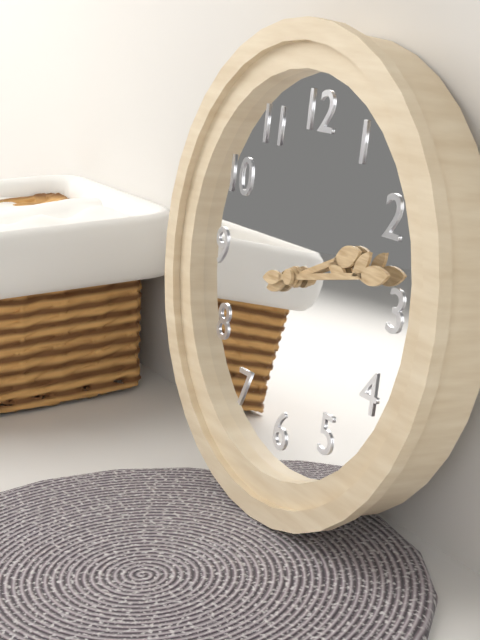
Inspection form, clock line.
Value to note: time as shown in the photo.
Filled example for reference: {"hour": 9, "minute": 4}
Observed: {"hour": 2, "minute": 13}
